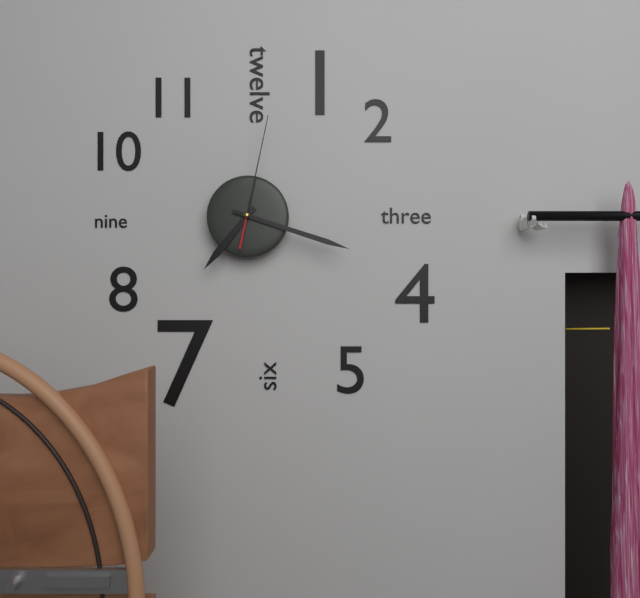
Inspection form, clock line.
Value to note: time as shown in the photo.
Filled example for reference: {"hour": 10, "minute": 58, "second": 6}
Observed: {"hour": 7, "minute": 18, "second": 2}
